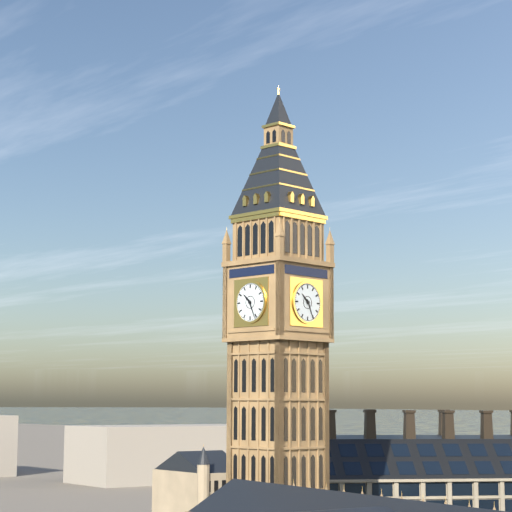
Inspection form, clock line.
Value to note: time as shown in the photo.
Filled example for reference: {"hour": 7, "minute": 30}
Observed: {"hour": 10, "minute": 26}
